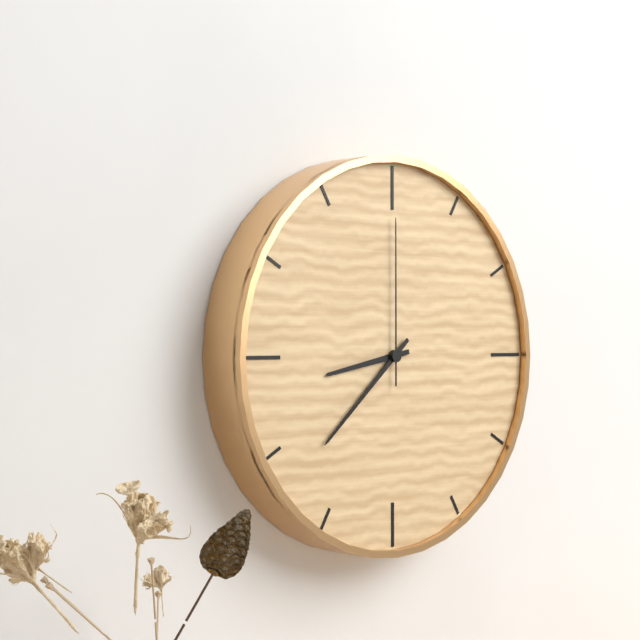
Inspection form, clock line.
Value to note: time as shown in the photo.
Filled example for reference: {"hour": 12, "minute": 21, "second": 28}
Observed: {"hour": 8, "minute": 38, "second": 0}
